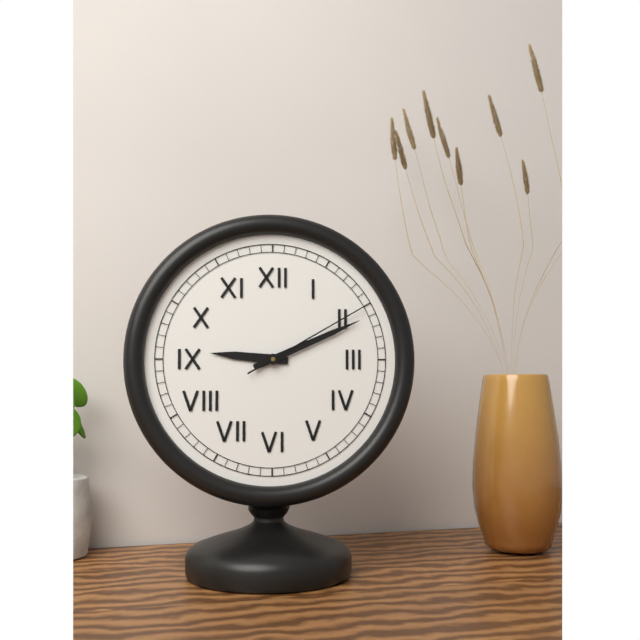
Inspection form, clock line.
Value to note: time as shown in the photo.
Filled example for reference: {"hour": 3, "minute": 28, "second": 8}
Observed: {"hour": 9, "minute": 11, "second": 10}
